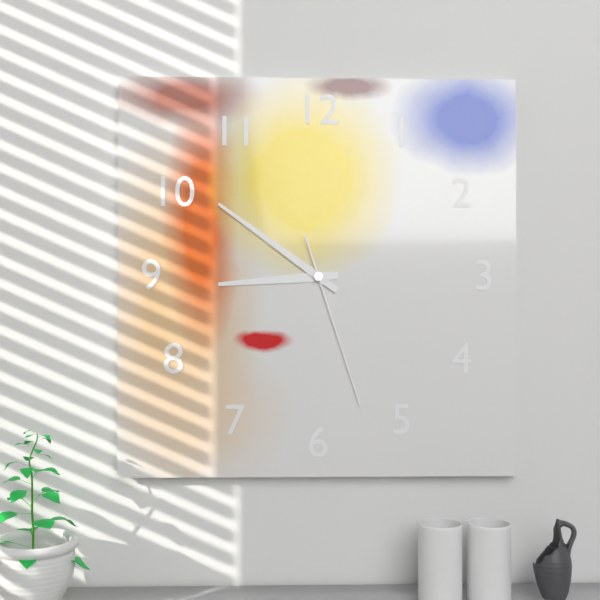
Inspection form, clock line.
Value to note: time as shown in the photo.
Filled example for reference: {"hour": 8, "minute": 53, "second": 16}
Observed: {"hour": 8, "minute": 51, "second": 27}
